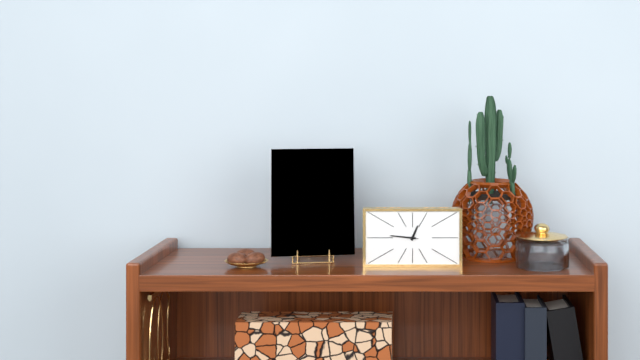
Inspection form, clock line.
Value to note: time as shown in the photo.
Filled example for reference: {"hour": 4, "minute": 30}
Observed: {"hour": 12, "minute": 46}
